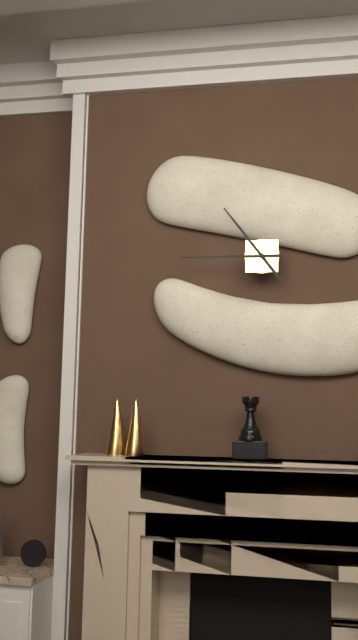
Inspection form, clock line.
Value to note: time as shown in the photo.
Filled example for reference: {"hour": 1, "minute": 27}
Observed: {"hour": 10, "minute": 45}
